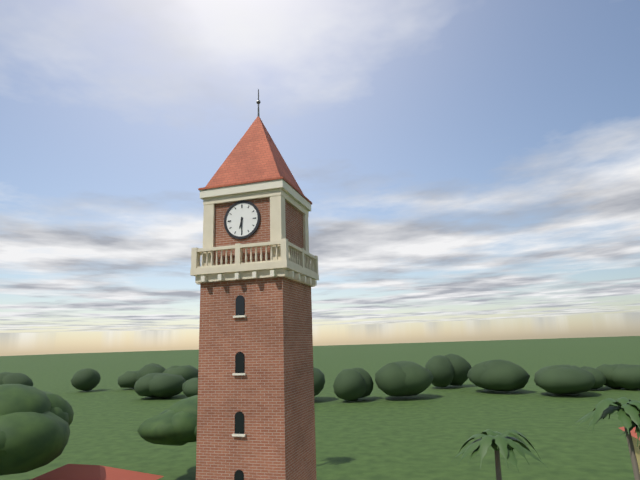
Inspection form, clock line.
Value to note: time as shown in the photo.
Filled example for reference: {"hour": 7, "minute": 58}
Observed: {"hour": 6, "minute": 30}
